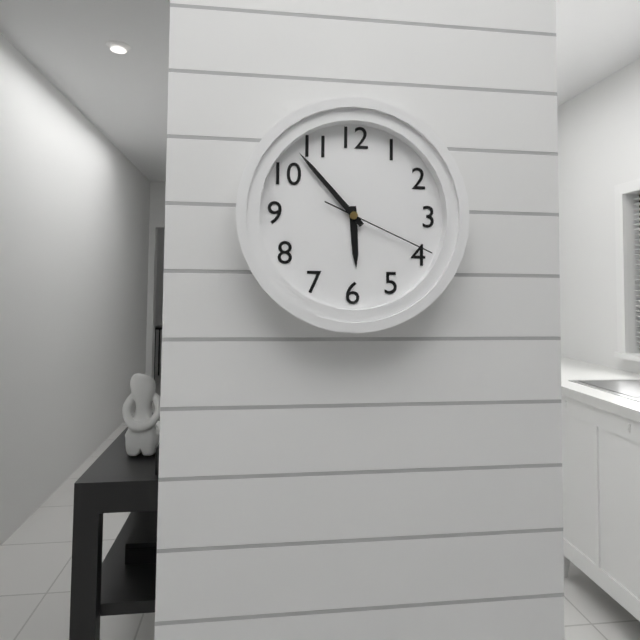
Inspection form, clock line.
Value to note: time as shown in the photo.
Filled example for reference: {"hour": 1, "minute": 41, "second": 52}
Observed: {"hour": 5, "minute": 53, "second": 19}
